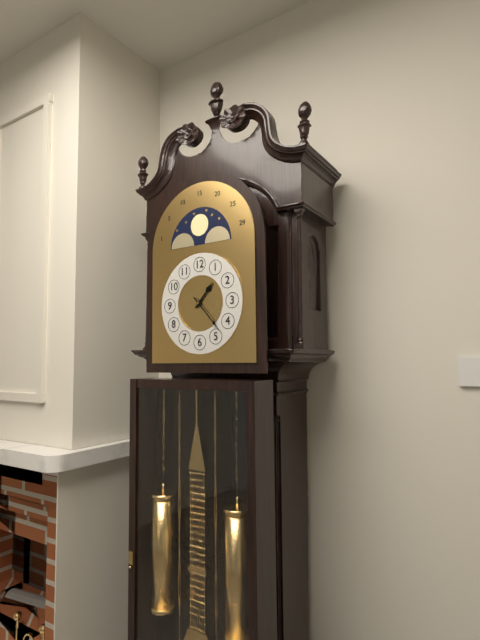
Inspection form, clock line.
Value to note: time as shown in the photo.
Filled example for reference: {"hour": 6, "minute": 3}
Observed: {"hour": 1, "minute": 23}
